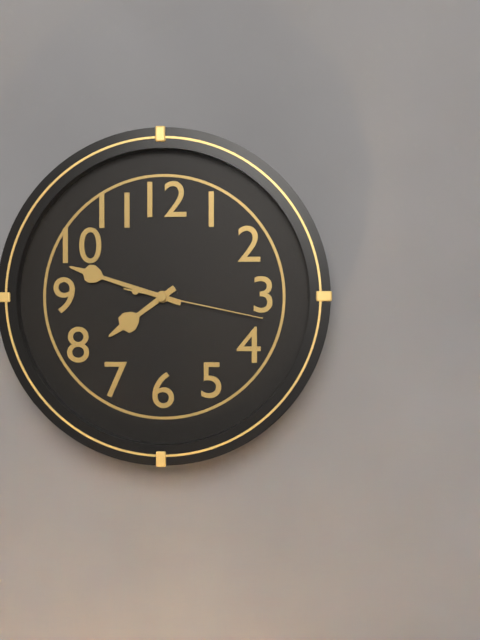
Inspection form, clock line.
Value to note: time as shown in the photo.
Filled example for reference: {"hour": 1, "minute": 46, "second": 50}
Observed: {"hour": 7, "minute": 48, "second": 17}
